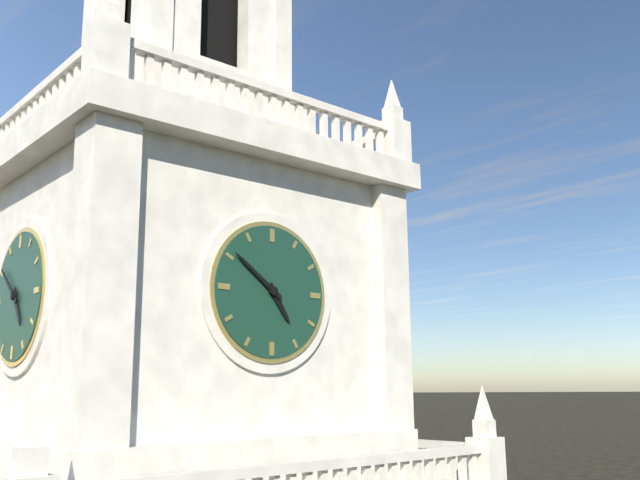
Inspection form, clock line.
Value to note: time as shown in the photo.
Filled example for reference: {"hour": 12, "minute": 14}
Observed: {"hour": 4, "minute": 51}
